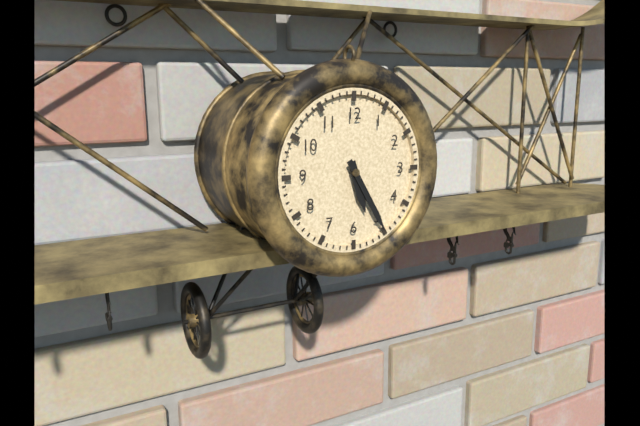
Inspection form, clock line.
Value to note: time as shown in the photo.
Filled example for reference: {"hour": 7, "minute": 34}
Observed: {"hour": 5, "minute": 25}
